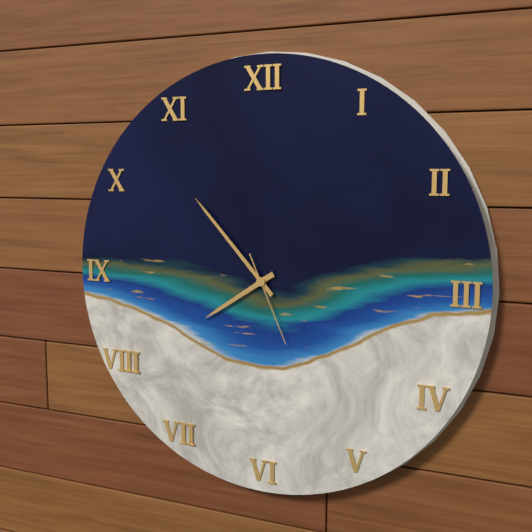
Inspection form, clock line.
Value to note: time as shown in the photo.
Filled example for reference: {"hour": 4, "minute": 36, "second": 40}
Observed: {"hour": 7, "minute": 53, "second": 26}
